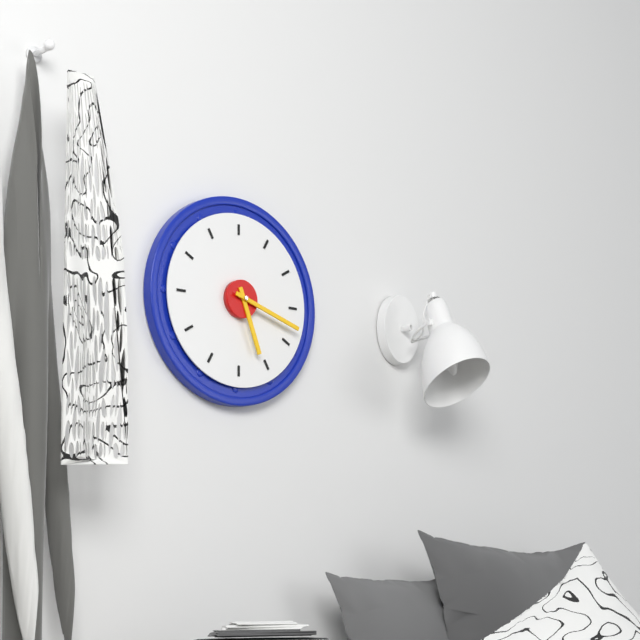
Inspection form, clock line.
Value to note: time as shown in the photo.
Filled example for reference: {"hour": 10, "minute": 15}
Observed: {"hour": 5, "minute": 18}
